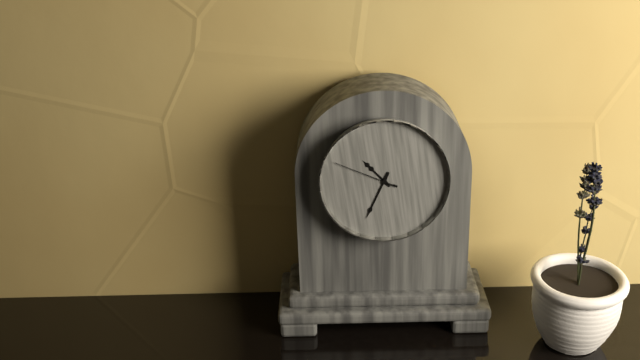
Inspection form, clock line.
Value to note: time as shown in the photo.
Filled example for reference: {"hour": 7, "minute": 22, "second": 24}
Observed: {"hour": 10, "minute": 34, "second": 49}
